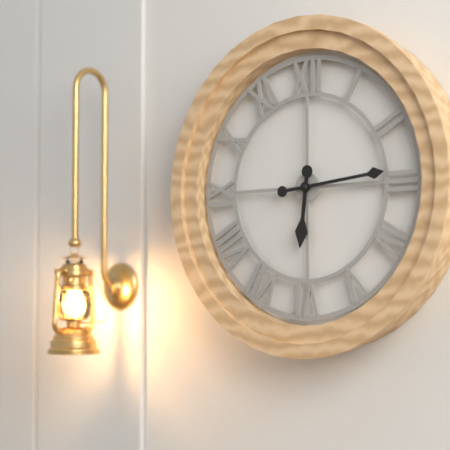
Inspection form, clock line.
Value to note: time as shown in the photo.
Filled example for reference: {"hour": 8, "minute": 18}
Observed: {"hour": 6, "minute": 14}
